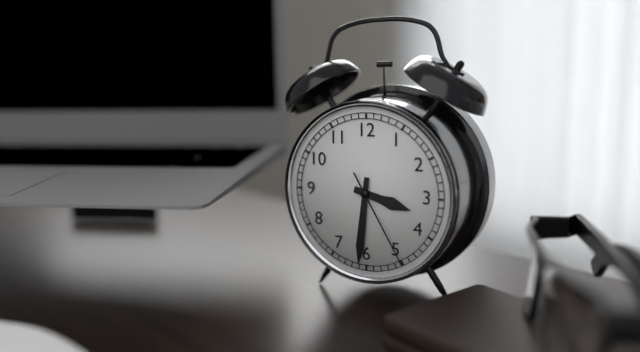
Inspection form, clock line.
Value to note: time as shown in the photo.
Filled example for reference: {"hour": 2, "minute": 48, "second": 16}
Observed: {"hour": 3, "minute": 31, "second": 25}
